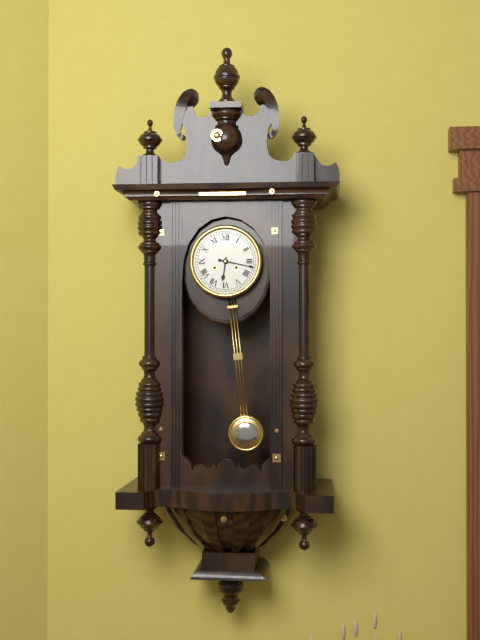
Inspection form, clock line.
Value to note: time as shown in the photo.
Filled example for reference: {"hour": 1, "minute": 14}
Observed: {"hour": 6, "minute": 17}
